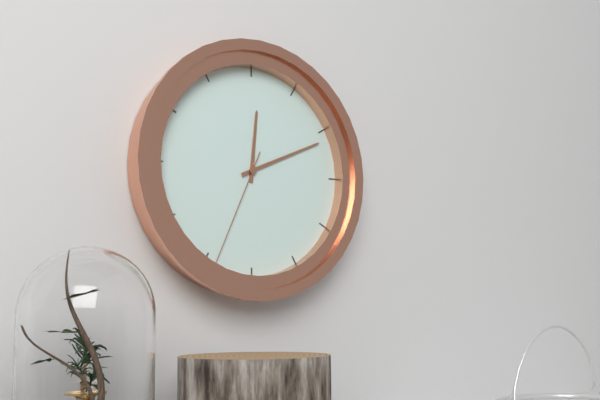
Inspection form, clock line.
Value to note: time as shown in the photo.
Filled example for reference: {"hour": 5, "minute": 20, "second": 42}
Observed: {"hour": 12, "minute": 11, "second": 34}
